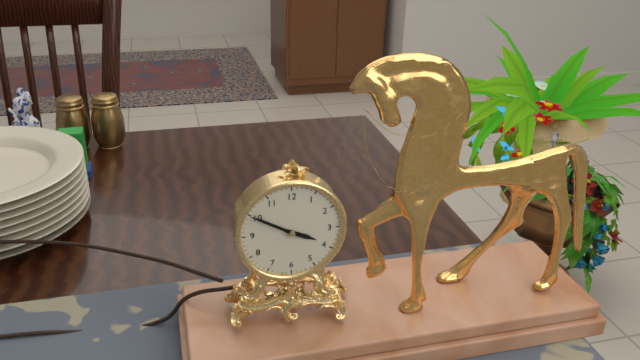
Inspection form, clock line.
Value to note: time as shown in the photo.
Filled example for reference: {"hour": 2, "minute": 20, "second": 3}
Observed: {"hour": 3, "minute": 50, "second": 50}
